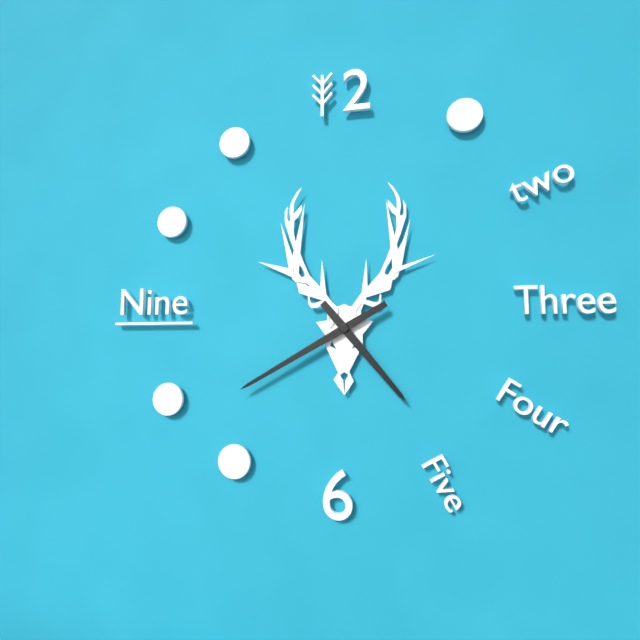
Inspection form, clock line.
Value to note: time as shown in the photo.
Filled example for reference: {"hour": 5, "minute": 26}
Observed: {"hour": 4, "minute": 40}
